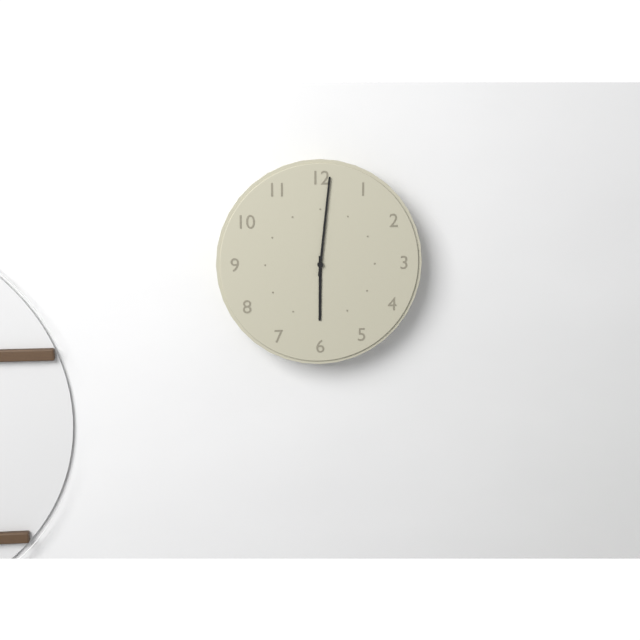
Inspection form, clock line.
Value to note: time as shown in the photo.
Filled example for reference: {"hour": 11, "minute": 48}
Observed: {"hour": 6, "minute": 1}
